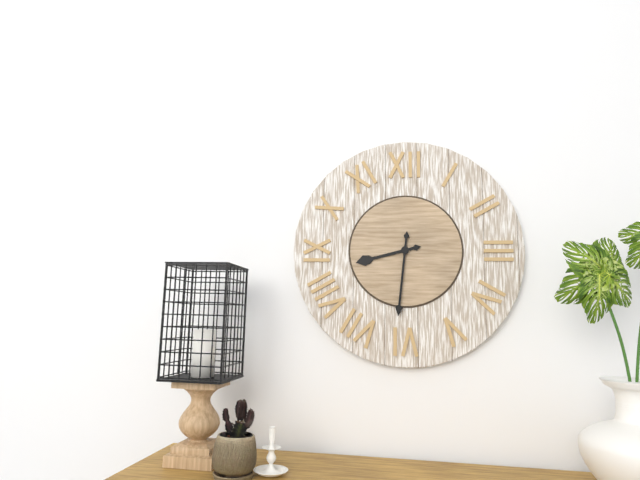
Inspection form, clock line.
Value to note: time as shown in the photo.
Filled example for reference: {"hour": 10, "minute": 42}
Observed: {"hour": 8, "minute": 31}
